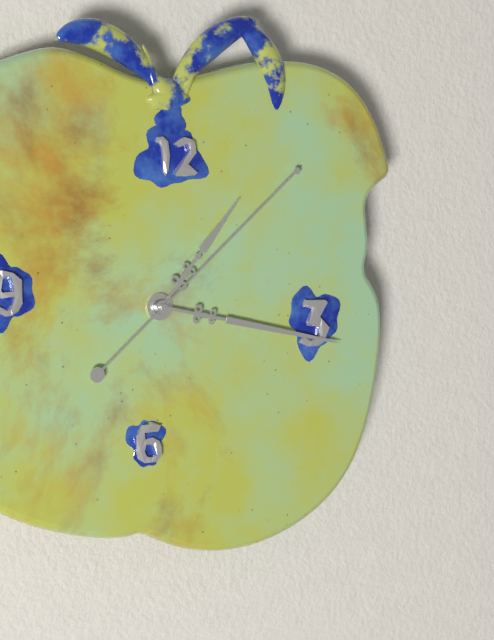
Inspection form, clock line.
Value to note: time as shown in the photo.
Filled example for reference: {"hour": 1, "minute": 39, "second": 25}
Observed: {"hour": 1, "minute": 17, "second": 8}
